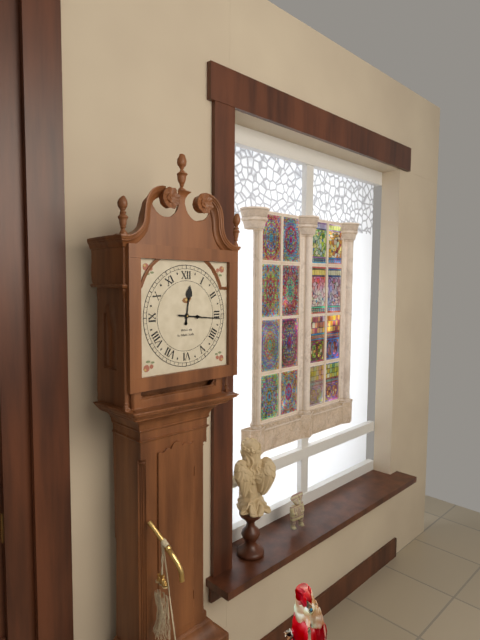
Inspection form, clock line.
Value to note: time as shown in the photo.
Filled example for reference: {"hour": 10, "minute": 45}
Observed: {"hour": 12, "minute": 16}
